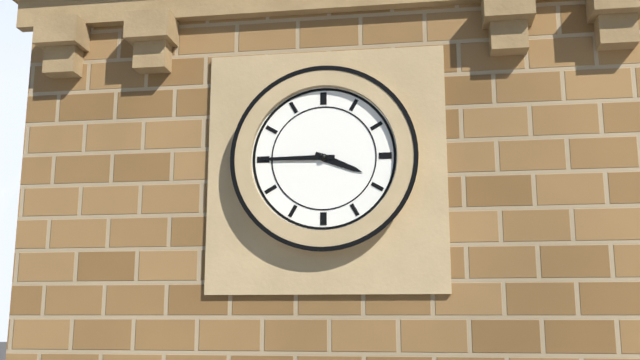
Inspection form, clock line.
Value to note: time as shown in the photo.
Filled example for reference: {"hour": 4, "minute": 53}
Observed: {"hour": 3, "minute": 45}
